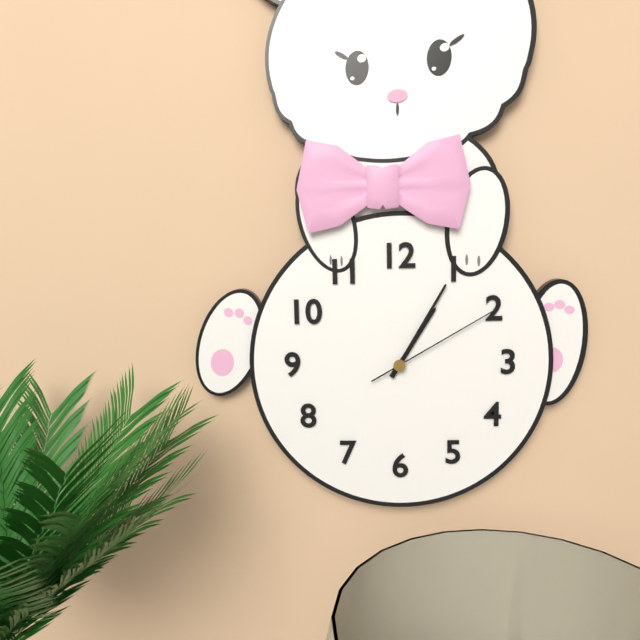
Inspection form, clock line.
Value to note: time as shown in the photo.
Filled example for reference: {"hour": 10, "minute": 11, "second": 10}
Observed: {"hour": 1, "minute": 5, "second": 10}
